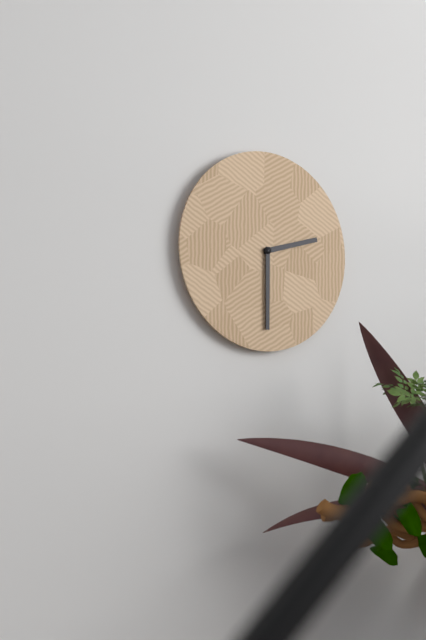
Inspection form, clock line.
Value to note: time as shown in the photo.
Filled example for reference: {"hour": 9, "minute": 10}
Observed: {"hour": 2, "minute": 30}
